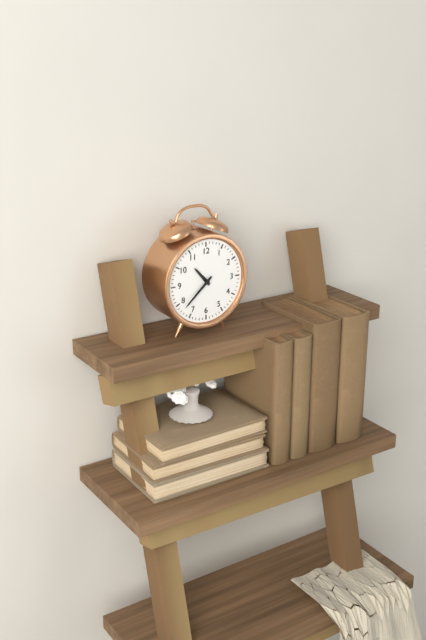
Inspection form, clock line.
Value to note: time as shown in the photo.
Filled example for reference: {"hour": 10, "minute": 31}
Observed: {"hour": 10, "minute": 38}
